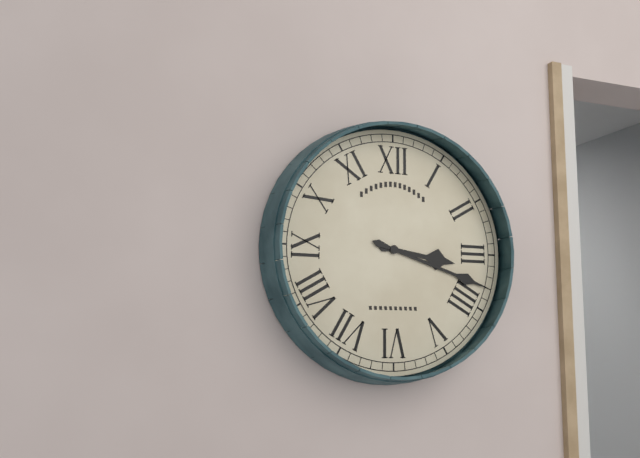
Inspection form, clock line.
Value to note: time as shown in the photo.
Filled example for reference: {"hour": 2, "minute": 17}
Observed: {"hour": 3, "minute": 18}
